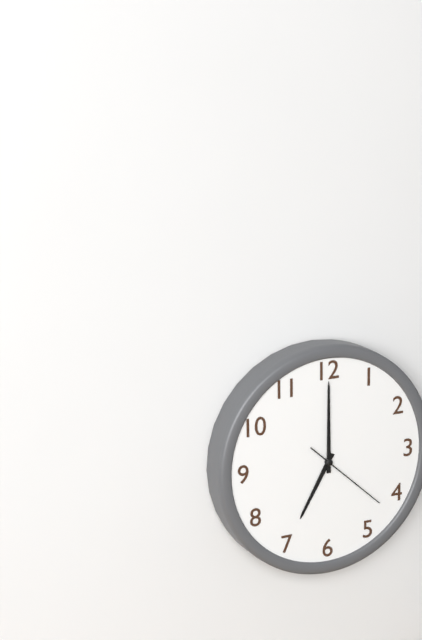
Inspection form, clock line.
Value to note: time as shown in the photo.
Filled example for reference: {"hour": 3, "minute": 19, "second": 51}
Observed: {"hour": 7, "minute": 0, "second": 22}
